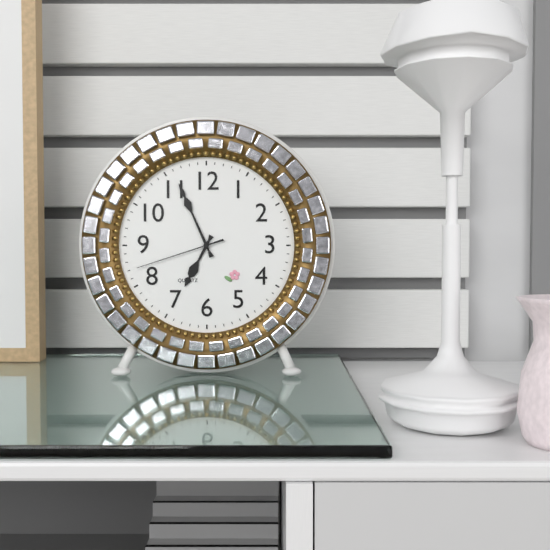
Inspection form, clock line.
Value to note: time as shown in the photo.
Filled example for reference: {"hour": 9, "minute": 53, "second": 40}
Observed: {"hour": 6, "minute": 56, "second": 42}
